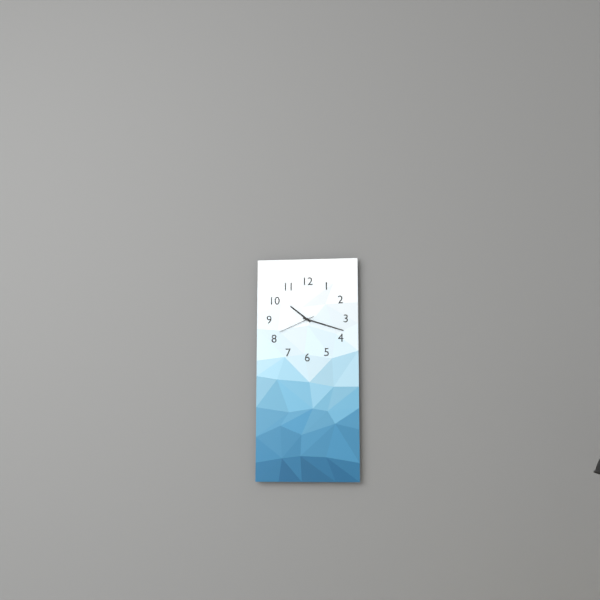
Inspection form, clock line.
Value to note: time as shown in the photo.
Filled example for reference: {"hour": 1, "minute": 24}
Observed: {"hour": 10, "minute": 18}
